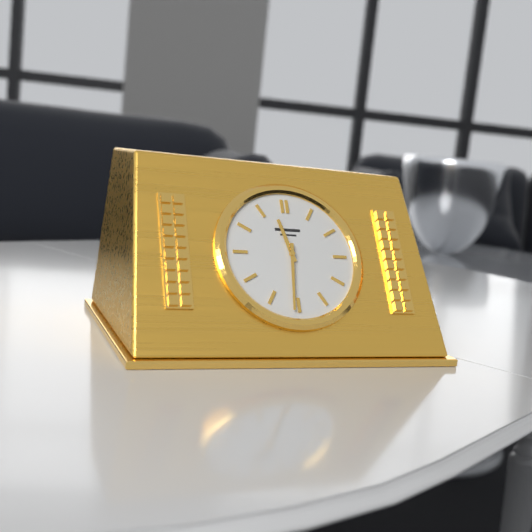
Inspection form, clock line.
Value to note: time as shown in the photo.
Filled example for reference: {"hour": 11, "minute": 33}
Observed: {"hour": 11, "minute": 31}
